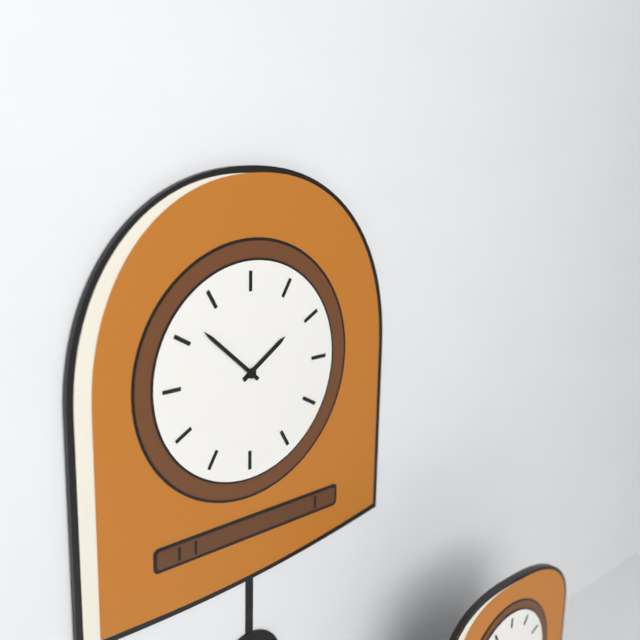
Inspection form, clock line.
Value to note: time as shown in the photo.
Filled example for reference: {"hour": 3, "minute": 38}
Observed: {"hour": 1, "minute": 52}
